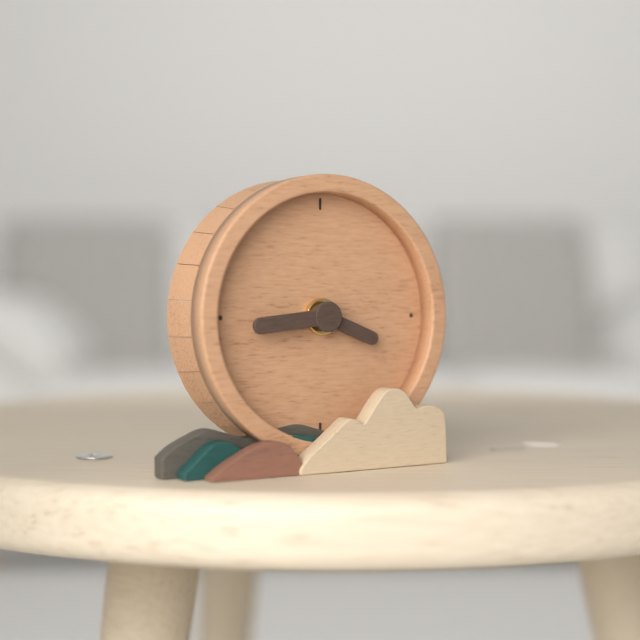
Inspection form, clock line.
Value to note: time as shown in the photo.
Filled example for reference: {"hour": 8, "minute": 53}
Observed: {"hour": 3, "minute": 44}
